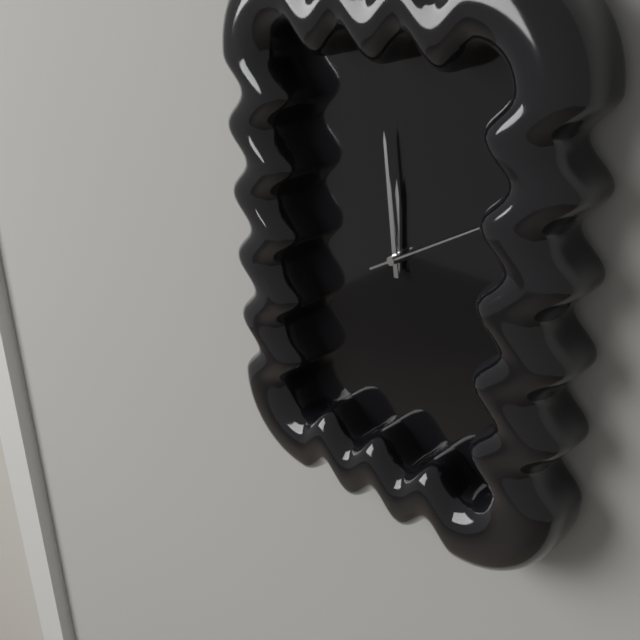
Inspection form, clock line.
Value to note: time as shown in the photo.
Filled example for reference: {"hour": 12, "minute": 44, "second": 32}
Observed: {"hour": 11, "minute": 59, "second": 10}
